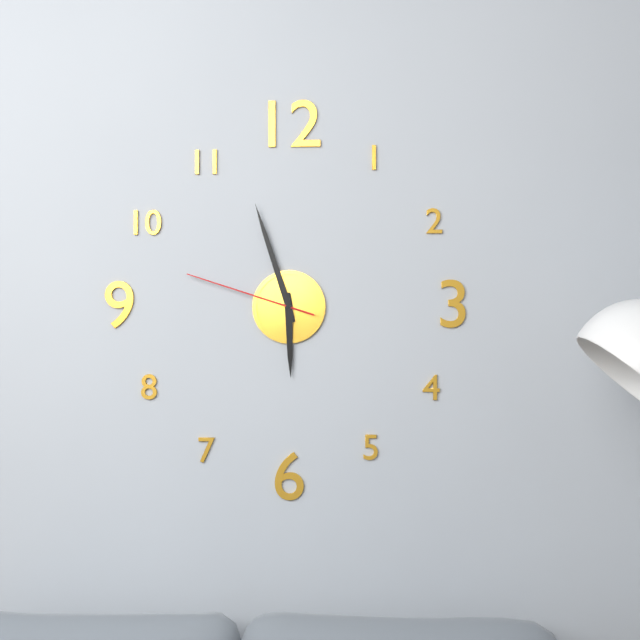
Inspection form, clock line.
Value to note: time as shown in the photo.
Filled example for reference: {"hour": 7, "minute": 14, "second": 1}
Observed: {"hour": 5, "minute": 57, "second": 48}
